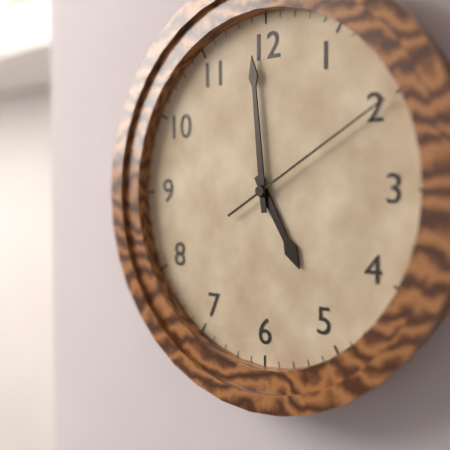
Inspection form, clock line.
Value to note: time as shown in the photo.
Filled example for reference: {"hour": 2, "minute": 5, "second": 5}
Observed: {"hour": 4, "minute": 59, "second": 10}
